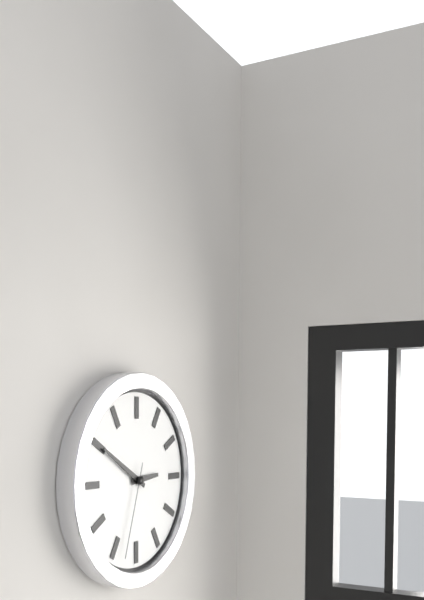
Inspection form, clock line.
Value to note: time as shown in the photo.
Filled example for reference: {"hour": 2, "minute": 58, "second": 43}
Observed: {"hour": 2, "minute": 50, "second": 33}
